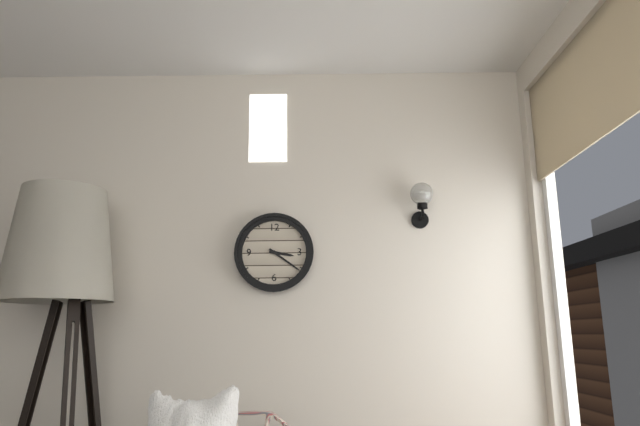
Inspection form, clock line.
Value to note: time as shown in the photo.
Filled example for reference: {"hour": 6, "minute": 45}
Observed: {"hour": 3, "minute": 21}
